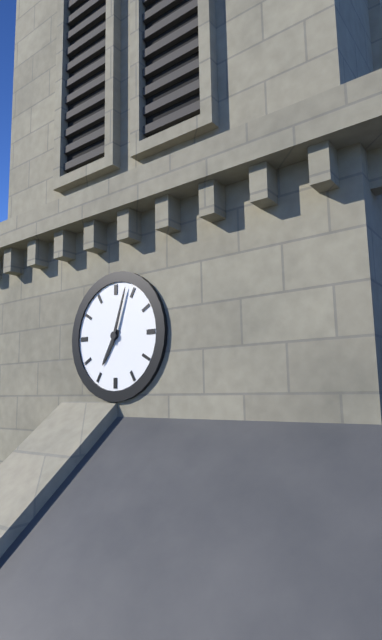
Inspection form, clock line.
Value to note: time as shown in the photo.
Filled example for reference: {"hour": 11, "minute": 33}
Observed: {"hour": 7, "minute": 3}
